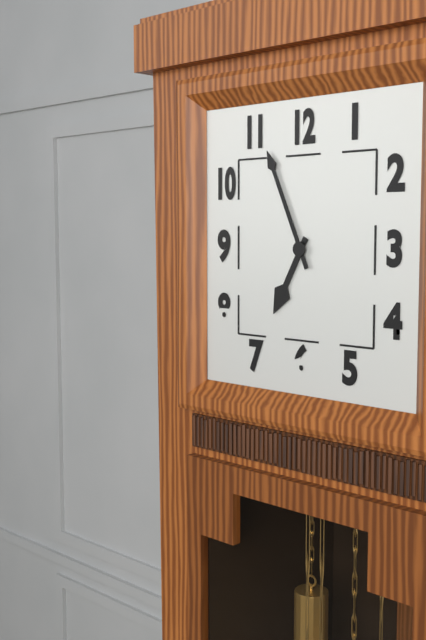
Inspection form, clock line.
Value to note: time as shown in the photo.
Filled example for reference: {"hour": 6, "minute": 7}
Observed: {"hour": 6, "minute": 56}
